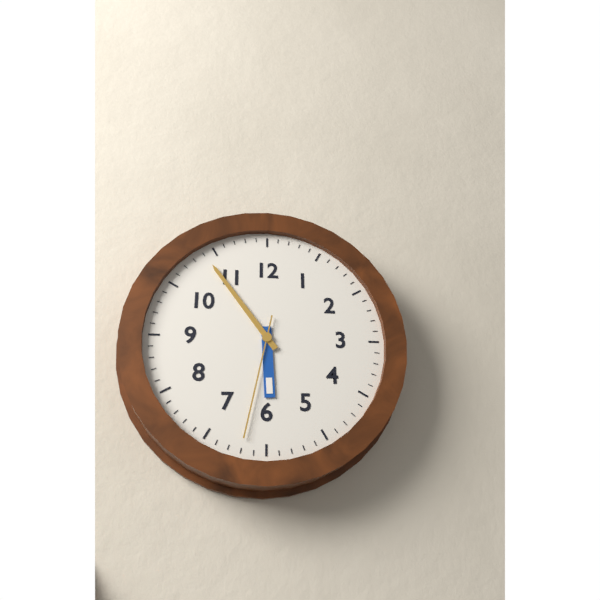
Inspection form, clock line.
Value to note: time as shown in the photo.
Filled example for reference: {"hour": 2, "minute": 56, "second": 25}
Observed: {"hour": 5, "minute": 54, "second": 32}
